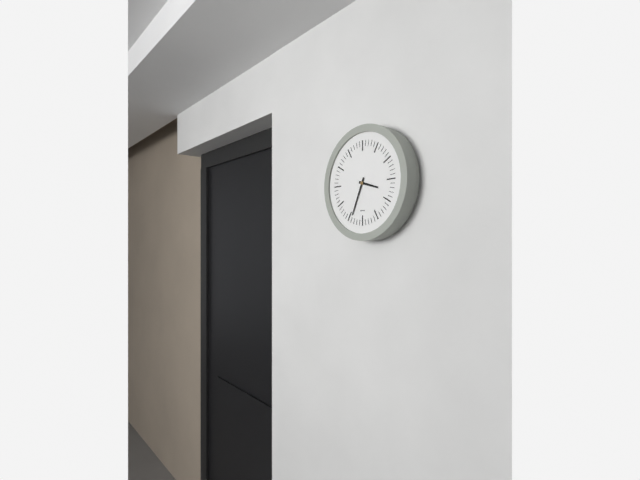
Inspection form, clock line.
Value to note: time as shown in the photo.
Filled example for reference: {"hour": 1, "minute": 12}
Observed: {"hour": 3, "minute": 34}
